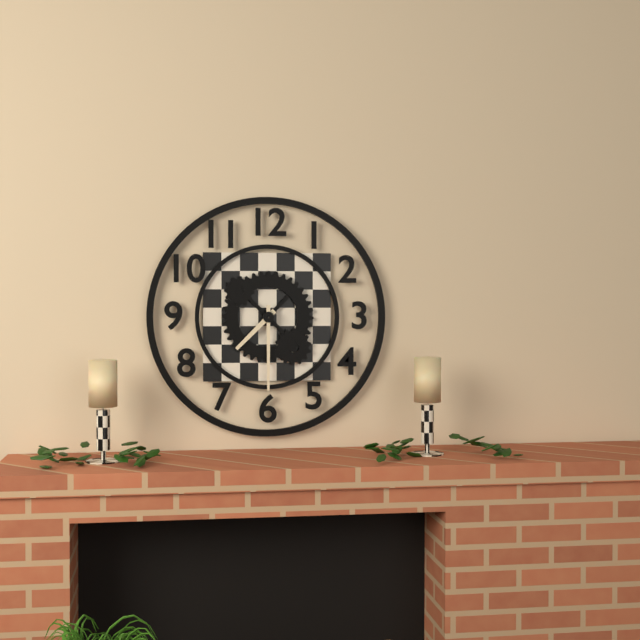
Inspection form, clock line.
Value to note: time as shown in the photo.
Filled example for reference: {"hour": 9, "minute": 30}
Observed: {"hour": 7, "minute": 30}
